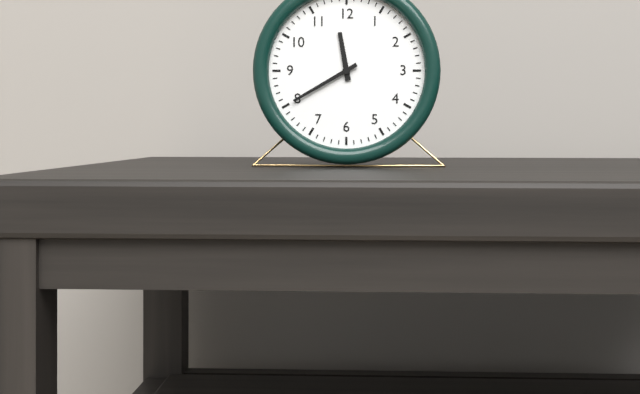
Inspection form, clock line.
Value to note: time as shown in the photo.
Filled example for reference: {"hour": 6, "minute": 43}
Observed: {"hour": 11, "minute": 40}
